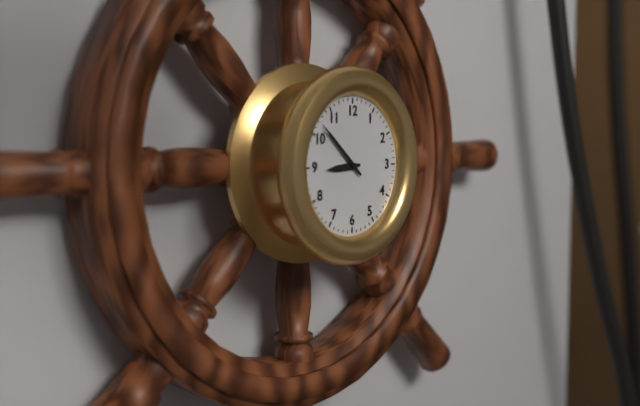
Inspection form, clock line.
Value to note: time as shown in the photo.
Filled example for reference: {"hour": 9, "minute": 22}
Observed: {"hour": 8, "minute": 52}
